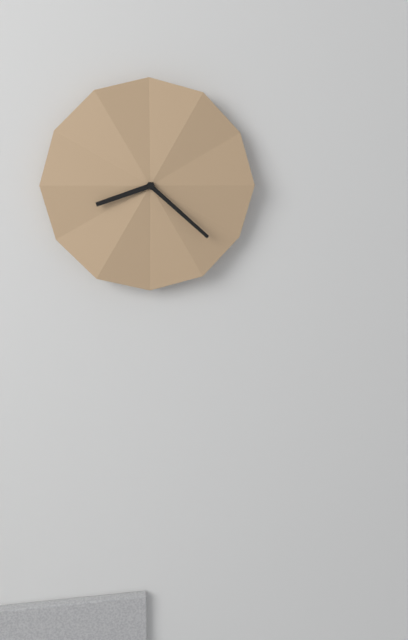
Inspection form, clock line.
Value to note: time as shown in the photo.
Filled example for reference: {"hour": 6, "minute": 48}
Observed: {"hour": 8, "minute": 22}
